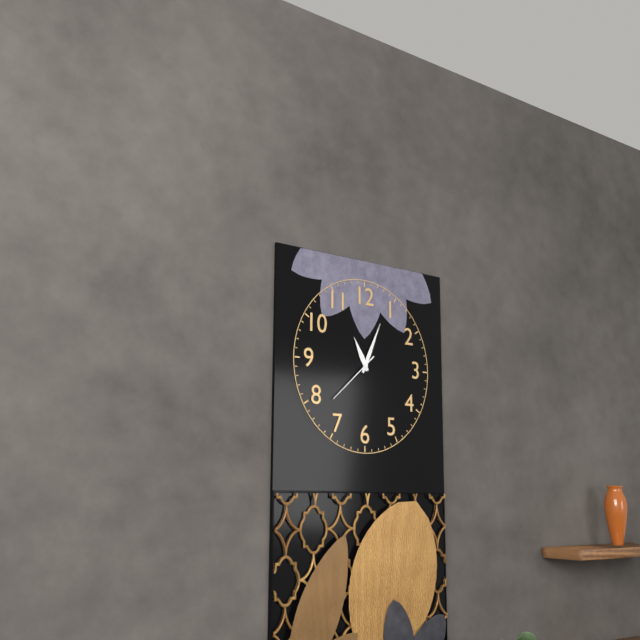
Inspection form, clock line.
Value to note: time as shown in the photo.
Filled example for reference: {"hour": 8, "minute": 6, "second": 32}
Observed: {"hour": 11, "minute": 4, "second": 38}
